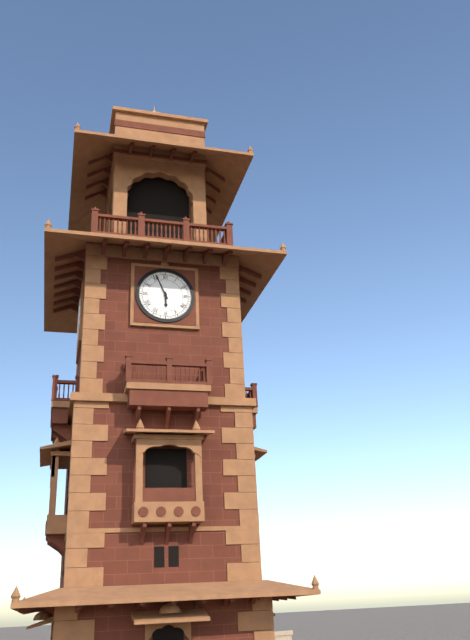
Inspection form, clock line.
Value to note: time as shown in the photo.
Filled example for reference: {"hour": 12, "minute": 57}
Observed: {"hour": 5, "minute": 56}
